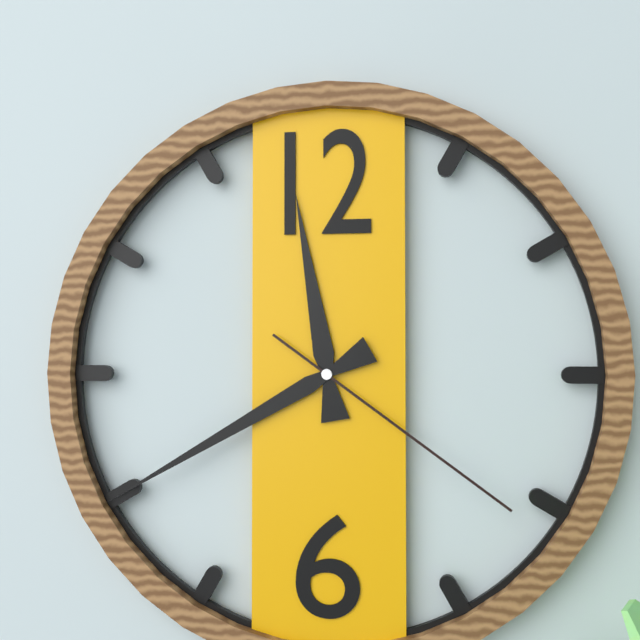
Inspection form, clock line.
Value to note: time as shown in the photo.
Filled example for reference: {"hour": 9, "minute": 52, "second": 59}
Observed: {"hour": 11, "minute": 40, "second": 21}
